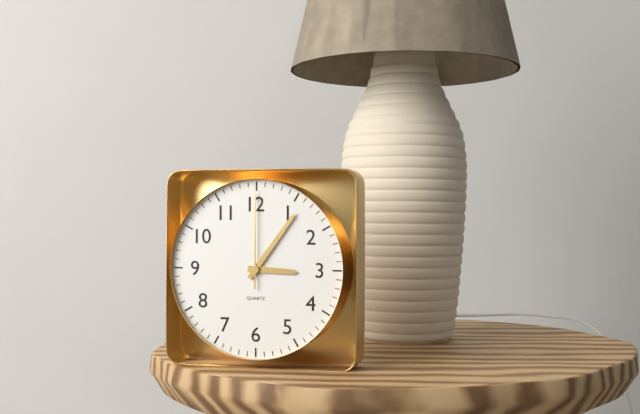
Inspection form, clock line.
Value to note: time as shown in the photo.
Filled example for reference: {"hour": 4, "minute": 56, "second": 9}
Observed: {"hour": 3, "minute": 6, "second": 0}
